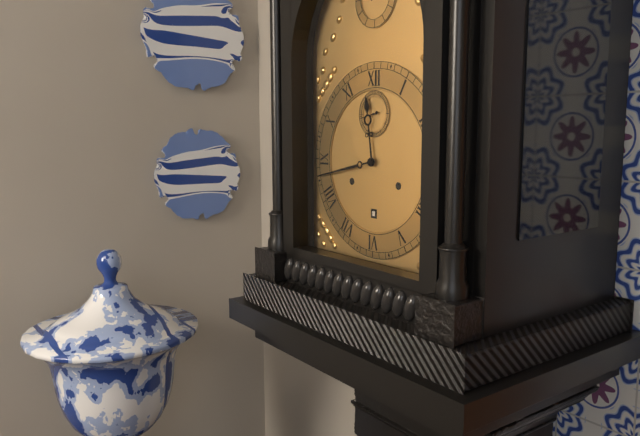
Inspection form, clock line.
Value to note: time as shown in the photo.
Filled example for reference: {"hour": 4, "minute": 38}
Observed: {"hour": 11, "minute": 43}
